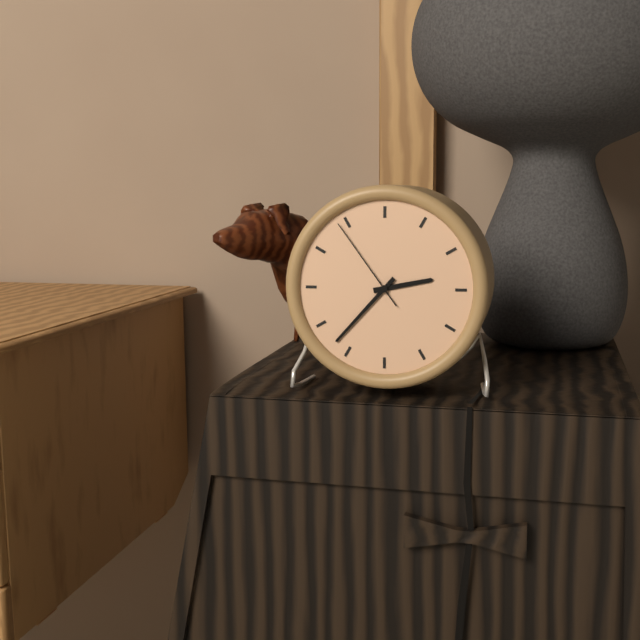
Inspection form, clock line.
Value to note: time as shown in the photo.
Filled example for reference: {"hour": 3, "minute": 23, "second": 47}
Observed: {"hour": 2, "minute": 37, "second": 54}
